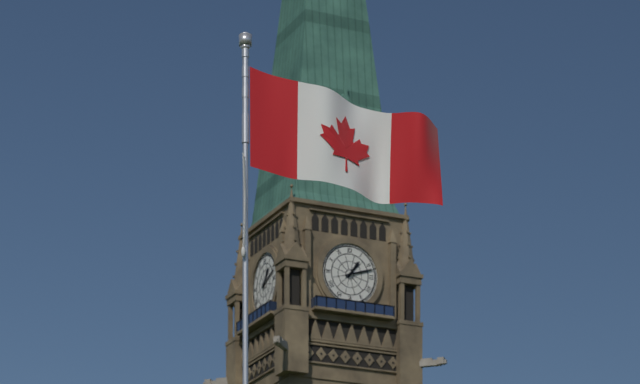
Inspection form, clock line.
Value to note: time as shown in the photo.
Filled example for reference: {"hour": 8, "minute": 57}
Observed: {"hour": 1, "minute": 12}
